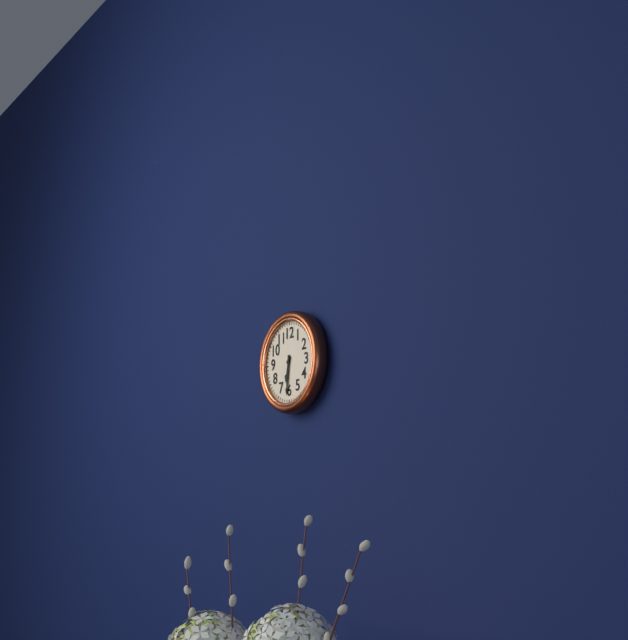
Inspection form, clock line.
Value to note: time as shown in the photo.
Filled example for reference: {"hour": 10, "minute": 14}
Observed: {"hour": 6, "minute": 31}
